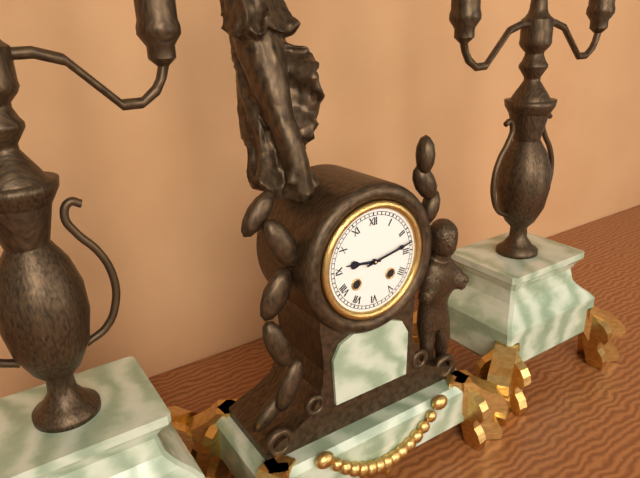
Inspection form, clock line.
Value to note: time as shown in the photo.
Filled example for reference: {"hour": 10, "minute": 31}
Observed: {"hour": 9, "minute": 13}
